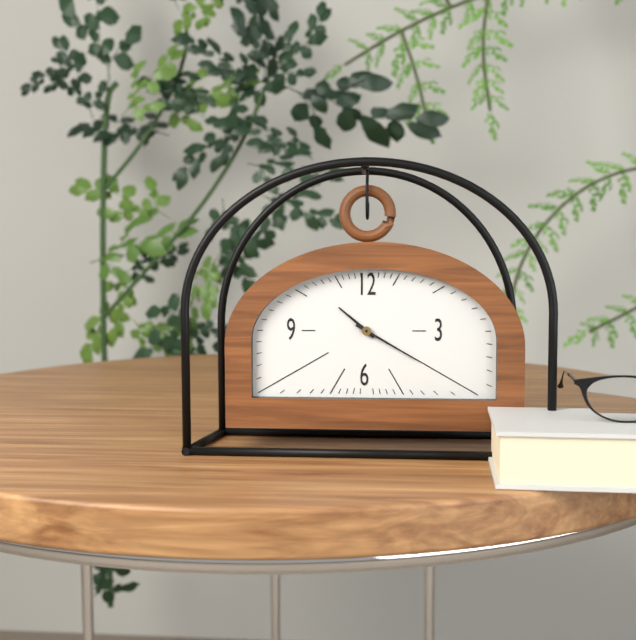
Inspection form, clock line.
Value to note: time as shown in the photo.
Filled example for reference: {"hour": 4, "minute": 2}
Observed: {"hour": 10, "minute": 20}
